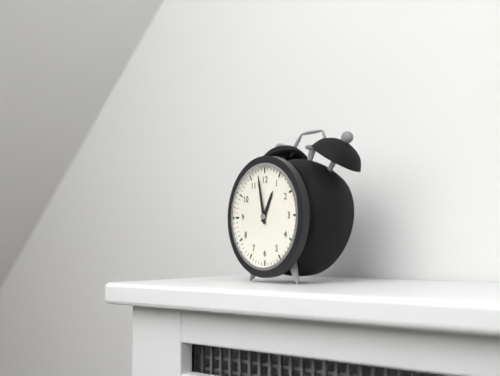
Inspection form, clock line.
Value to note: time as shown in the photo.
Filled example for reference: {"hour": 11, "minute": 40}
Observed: {"hour": 12, "minute": 58}
